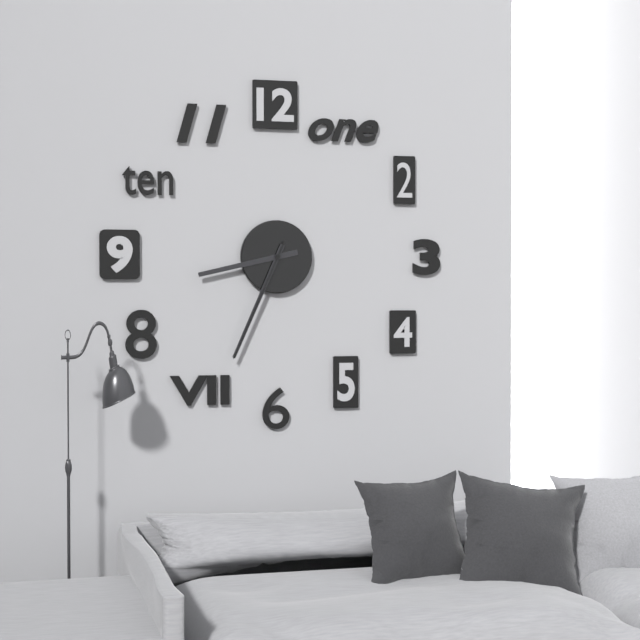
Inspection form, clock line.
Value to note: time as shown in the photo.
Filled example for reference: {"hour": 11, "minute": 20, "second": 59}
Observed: {"hour": 8, "minute": 34, "second": 34}
